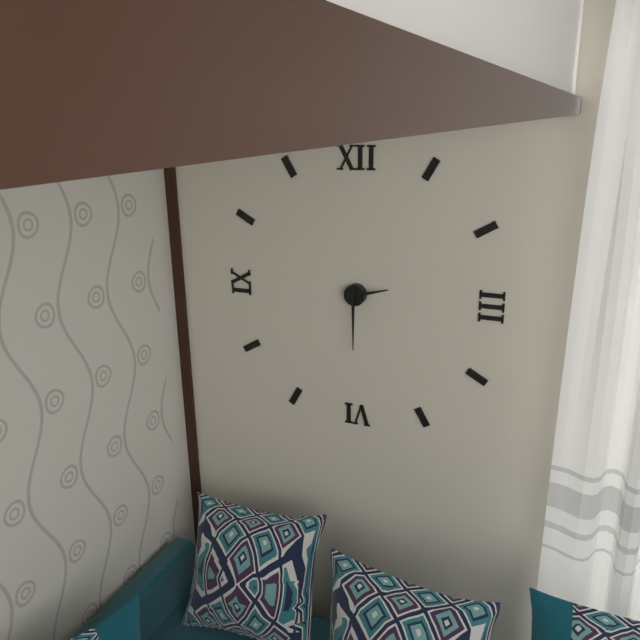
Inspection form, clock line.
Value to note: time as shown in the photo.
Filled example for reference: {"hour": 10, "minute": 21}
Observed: {"hour": 2, "minute": 30}
